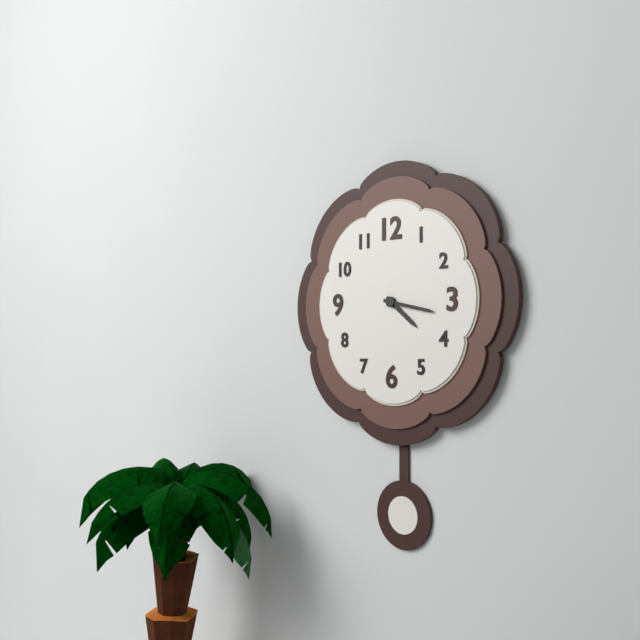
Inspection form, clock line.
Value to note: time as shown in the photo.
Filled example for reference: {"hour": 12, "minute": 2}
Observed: {"hour": 4, "minute": 17}
